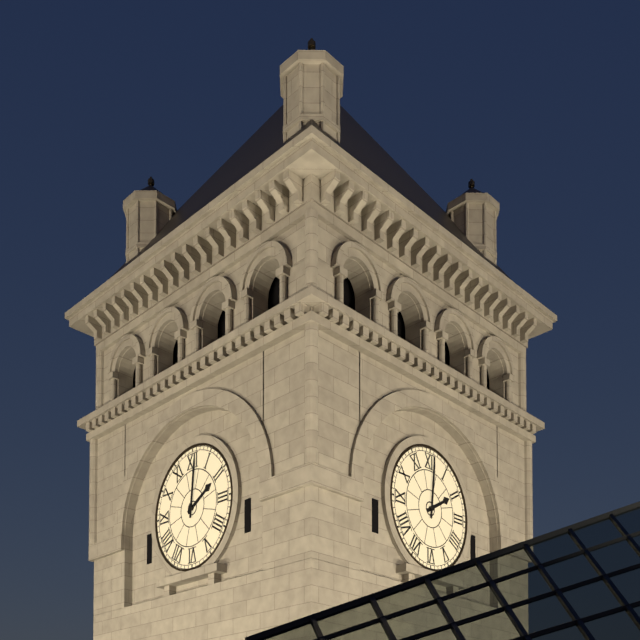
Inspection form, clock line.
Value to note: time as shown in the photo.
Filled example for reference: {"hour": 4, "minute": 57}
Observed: {"hour": 2, "minute": 1}
